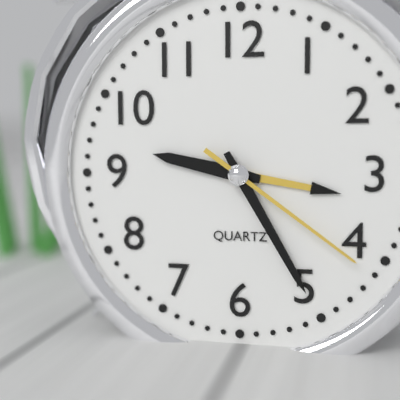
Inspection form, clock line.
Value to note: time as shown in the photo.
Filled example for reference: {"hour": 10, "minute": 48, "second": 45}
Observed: {"hour": 9, "minute": 25, "second": 21}
